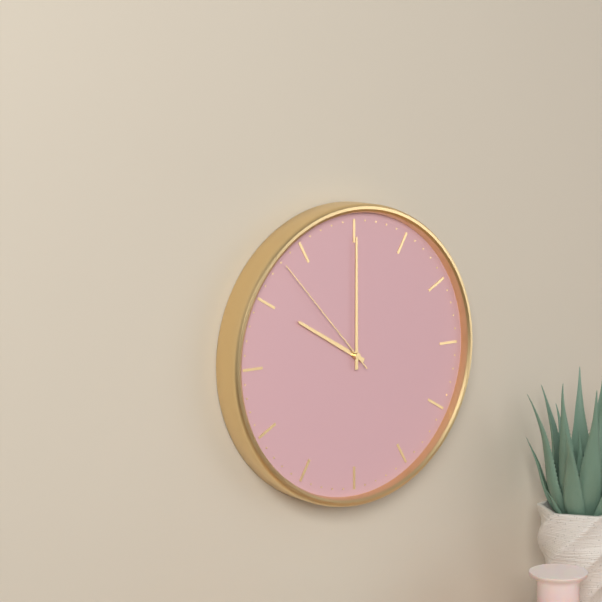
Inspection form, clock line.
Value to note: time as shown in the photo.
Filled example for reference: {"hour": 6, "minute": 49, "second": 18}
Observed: {"hour": 10, "minute": 0, "second": 53}
